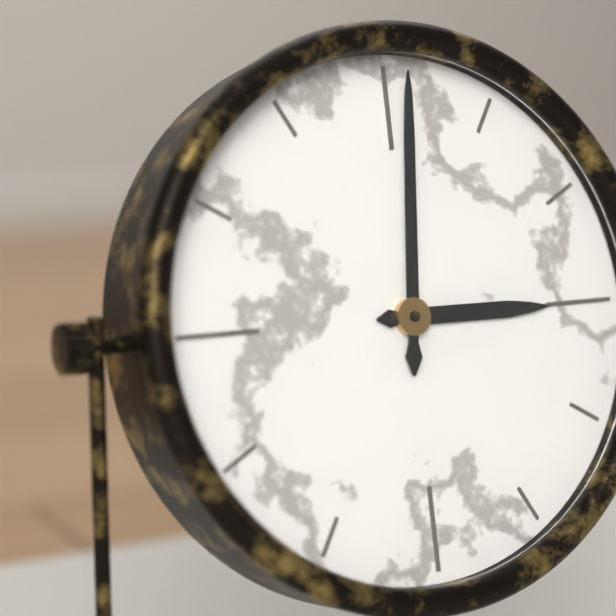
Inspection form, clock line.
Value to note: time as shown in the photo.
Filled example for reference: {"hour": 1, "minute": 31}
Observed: {"hour": 3, "minute": 1}
